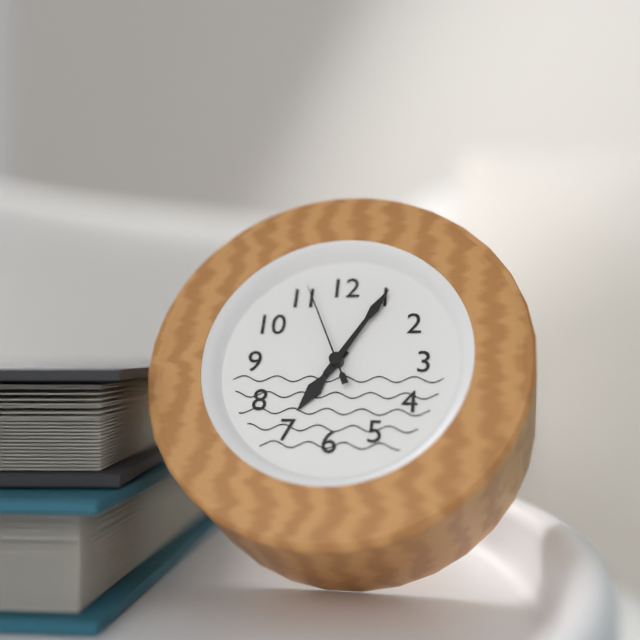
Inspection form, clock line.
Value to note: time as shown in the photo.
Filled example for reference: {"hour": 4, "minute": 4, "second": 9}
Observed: {"hour": 7, "minute": 5, "second": 56}
